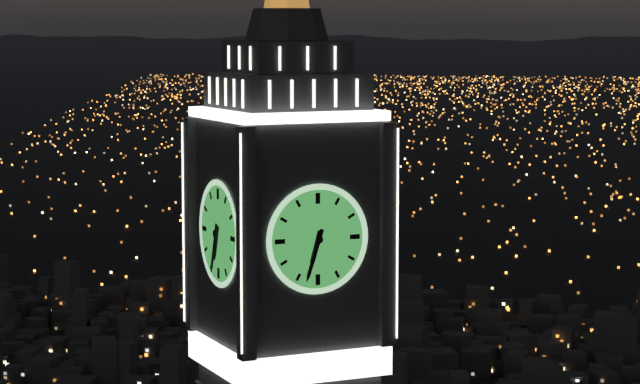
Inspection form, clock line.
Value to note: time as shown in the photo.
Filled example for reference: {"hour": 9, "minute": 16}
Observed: {"hour": 6, "minute": 33}
